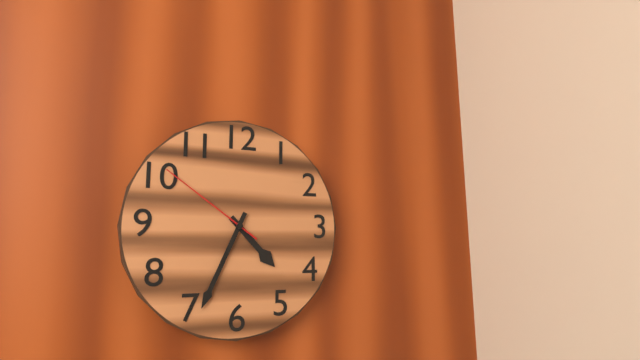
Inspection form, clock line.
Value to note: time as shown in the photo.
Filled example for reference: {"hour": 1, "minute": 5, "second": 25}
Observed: {"hour": 4, "minute": 34, "second": 51}
